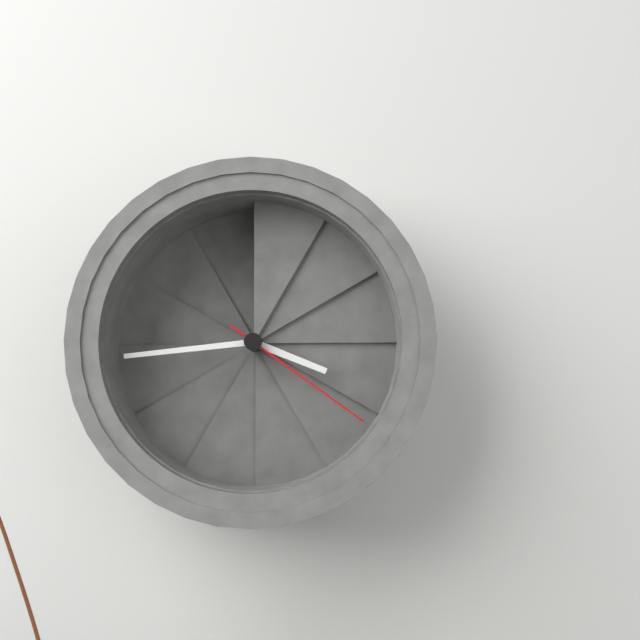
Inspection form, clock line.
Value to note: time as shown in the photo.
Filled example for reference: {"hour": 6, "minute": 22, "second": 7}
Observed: {"hour": 3, "minute": 44, "second": 21}
